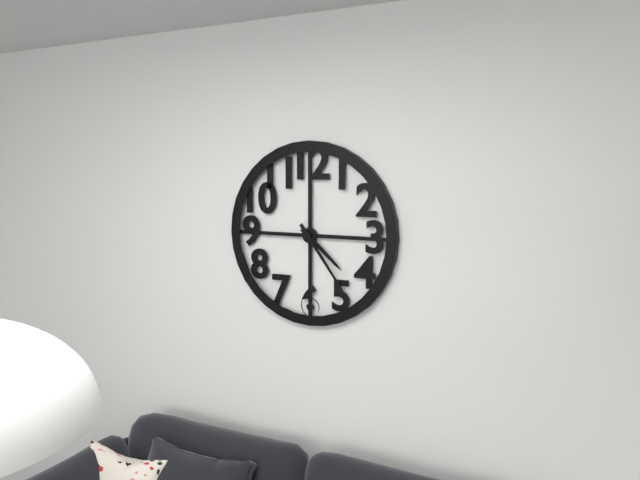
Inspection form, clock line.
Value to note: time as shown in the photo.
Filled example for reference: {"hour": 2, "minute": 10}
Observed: {"hour": 4, "minute": 24}
